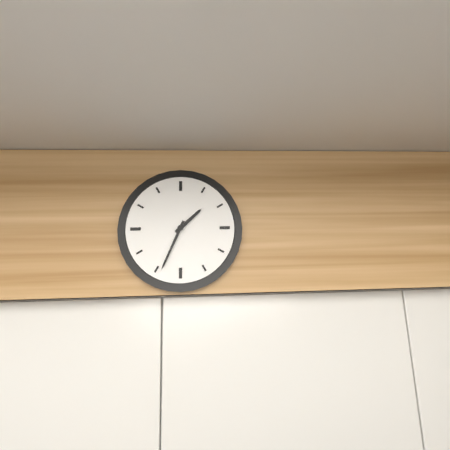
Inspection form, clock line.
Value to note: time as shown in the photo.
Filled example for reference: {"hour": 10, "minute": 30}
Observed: {"hour": 1, "minute": 34}
